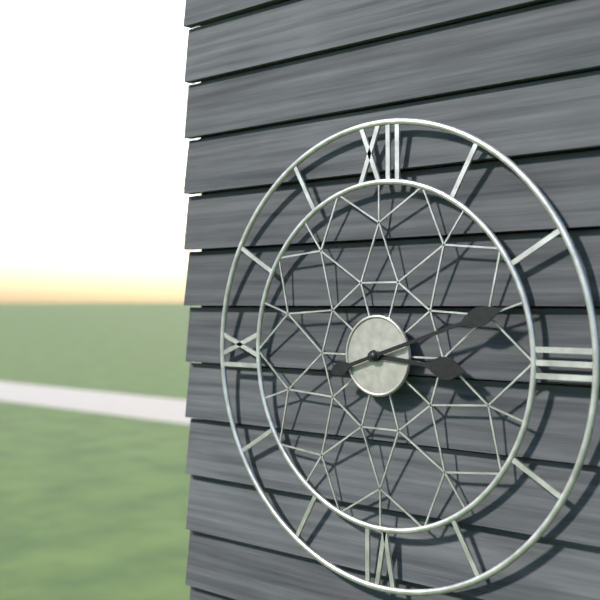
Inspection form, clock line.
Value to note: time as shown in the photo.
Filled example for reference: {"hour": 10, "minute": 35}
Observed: {"hour": 3, "minute": 12}
